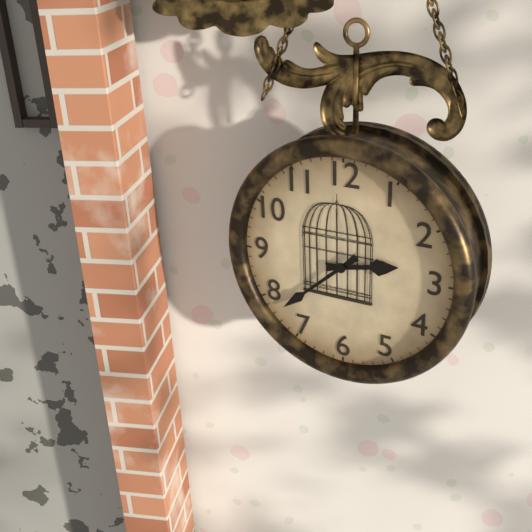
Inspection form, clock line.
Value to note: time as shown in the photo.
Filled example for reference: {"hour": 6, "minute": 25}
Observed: {"hour": 2, "minute": 38}
